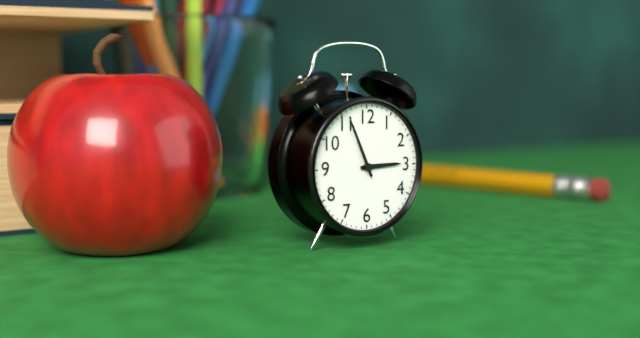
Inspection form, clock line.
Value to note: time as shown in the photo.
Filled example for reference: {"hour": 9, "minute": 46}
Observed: {"hour": 2, "minute": 56}
